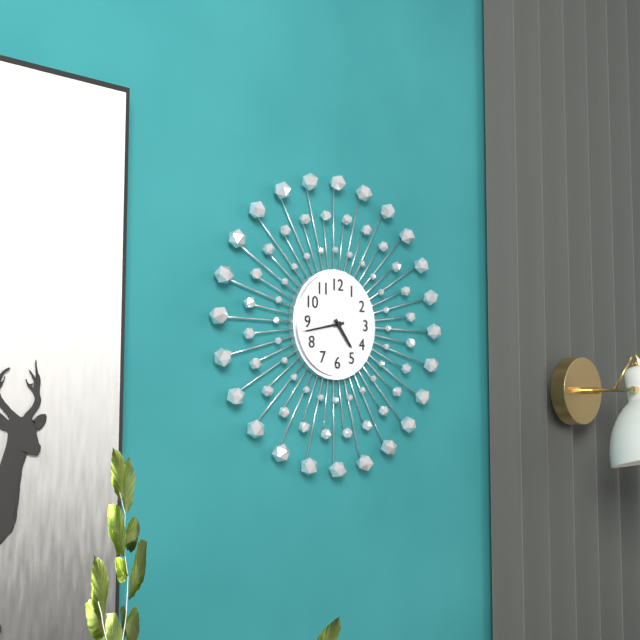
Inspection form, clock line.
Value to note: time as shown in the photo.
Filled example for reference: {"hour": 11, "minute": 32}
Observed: {"hour": 4, "minute": 43}
